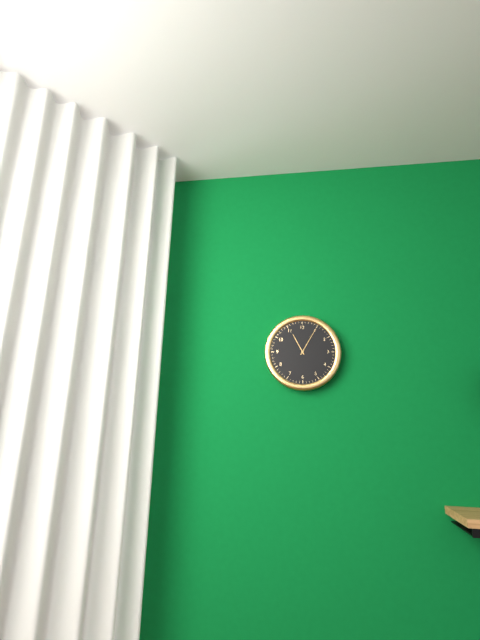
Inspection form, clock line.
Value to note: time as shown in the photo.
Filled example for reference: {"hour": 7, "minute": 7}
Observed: {"hour": 11, "minute": 5}
